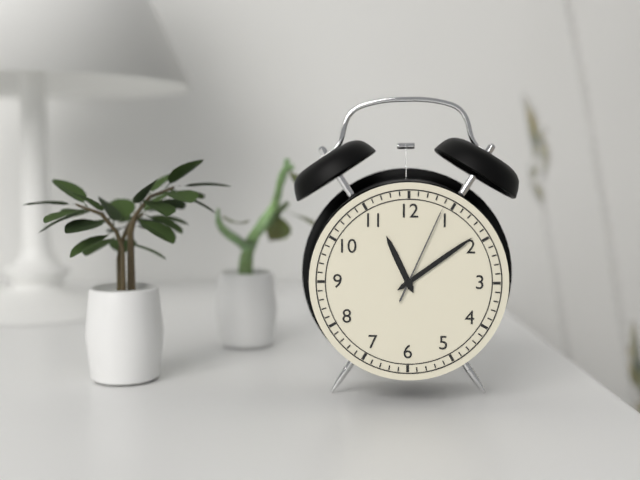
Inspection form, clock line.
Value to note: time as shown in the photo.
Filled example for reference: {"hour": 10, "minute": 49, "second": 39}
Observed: {"hour": 11, "minute": 9, "second": 4}
